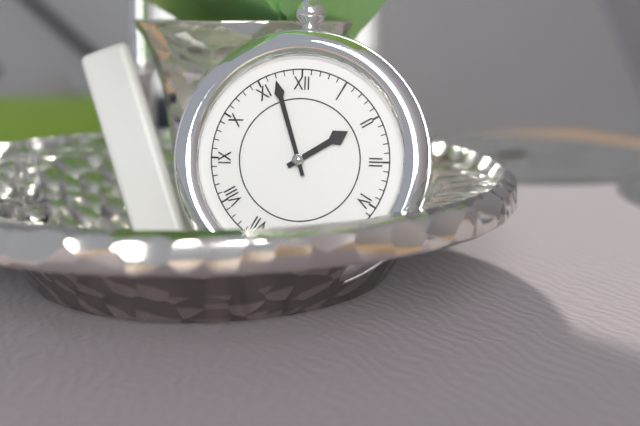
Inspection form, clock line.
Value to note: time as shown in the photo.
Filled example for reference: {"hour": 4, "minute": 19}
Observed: {"hour": 1, "minute": 57}
